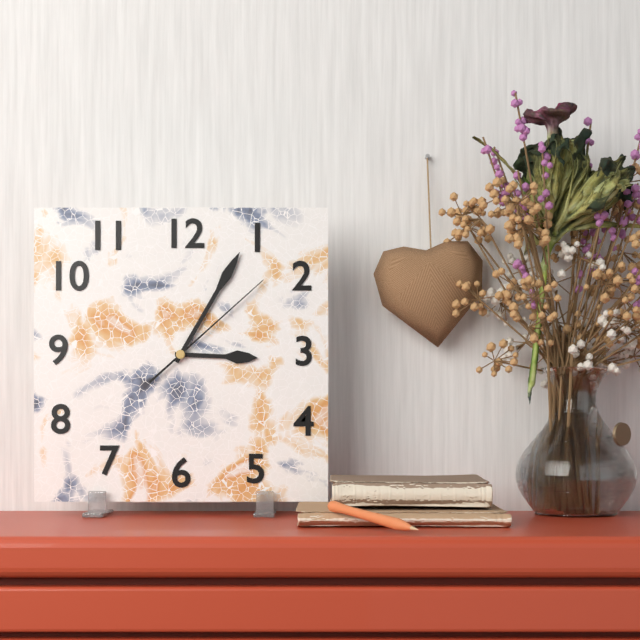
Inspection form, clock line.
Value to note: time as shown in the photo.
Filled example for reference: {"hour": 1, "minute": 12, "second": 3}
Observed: {"hour": 3, "minute": 5, "second": 8}
